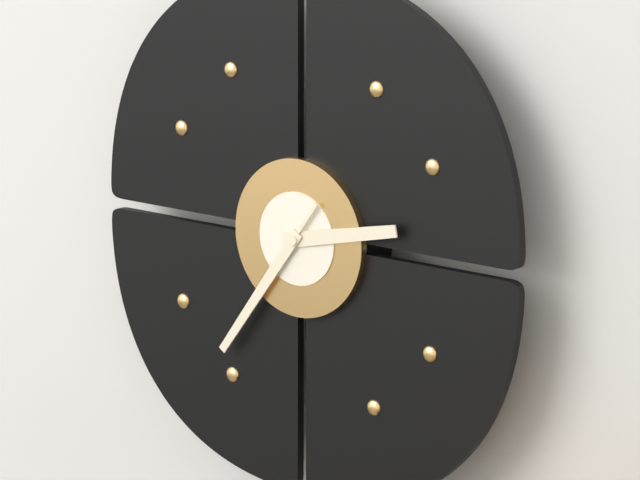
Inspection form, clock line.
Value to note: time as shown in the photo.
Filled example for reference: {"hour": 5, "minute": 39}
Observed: {"hour": 2, "minute": 36}
